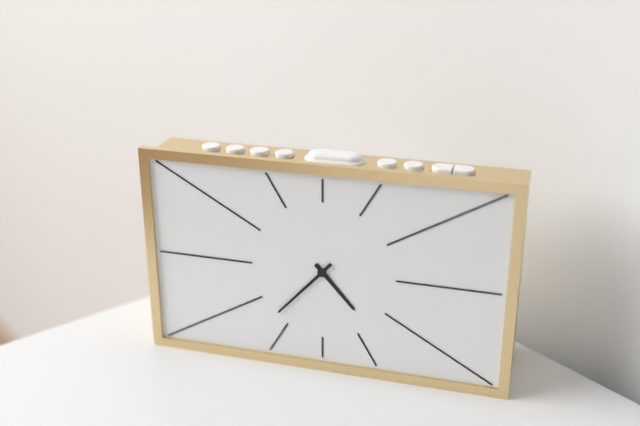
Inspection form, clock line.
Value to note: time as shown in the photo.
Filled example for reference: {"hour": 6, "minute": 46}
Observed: {"hour": 4, "minute": 37}
